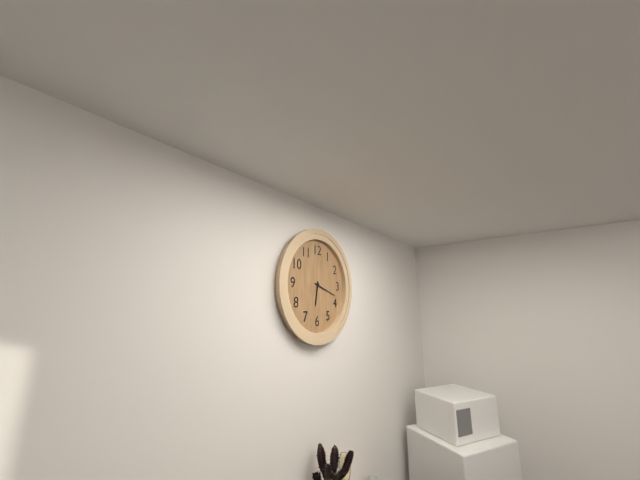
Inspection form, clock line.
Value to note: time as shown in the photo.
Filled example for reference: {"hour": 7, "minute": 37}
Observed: {"hour": 6, "minute": 18}
